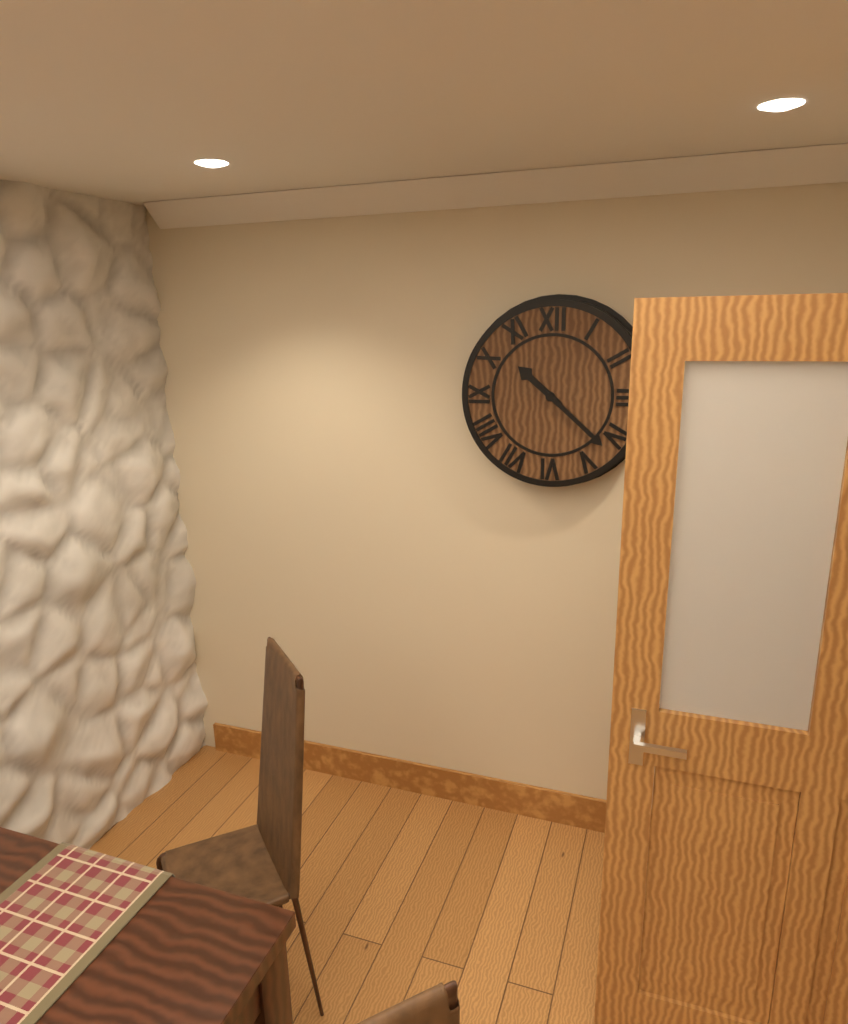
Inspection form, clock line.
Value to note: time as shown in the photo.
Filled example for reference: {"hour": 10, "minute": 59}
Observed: {"hour": 10, "minute": 22}
